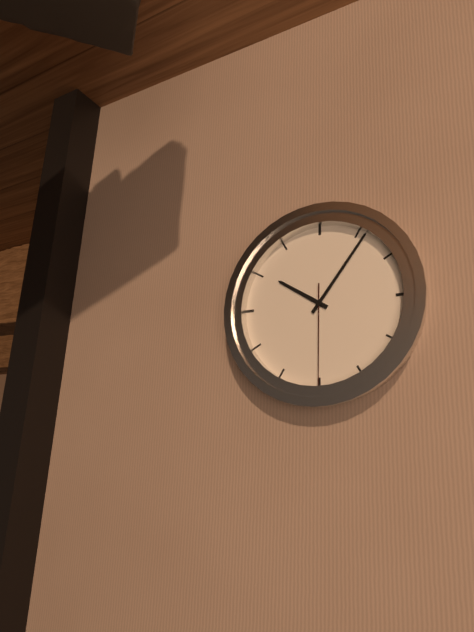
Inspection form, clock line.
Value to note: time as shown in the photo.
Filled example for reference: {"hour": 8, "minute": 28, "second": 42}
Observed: {"hour": 10, "minute": 6, "second": 30}
